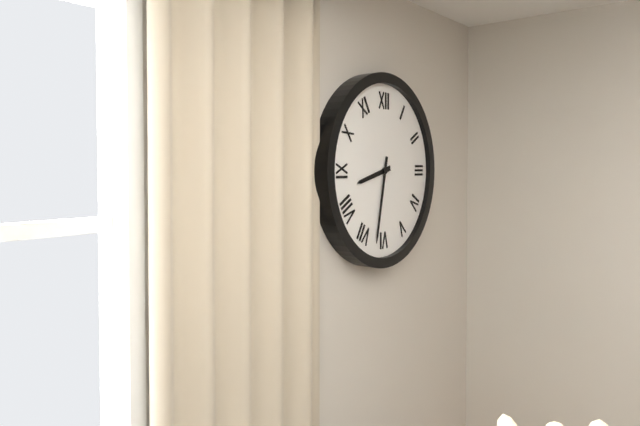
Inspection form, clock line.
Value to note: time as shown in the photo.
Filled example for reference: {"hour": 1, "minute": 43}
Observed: {"hour": 8, "minute": 32}
